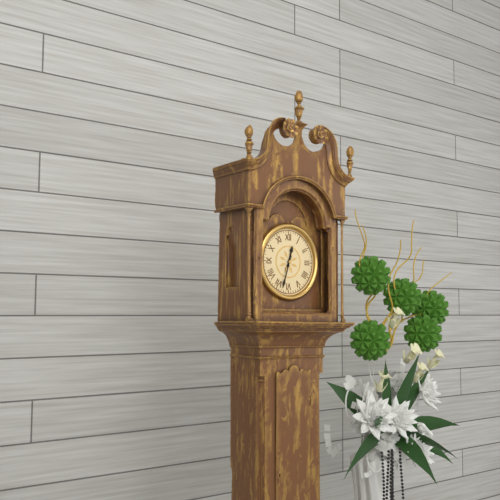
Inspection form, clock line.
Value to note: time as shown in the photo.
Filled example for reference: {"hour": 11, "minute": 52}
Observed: {"hour": 12, "minute": 33}
